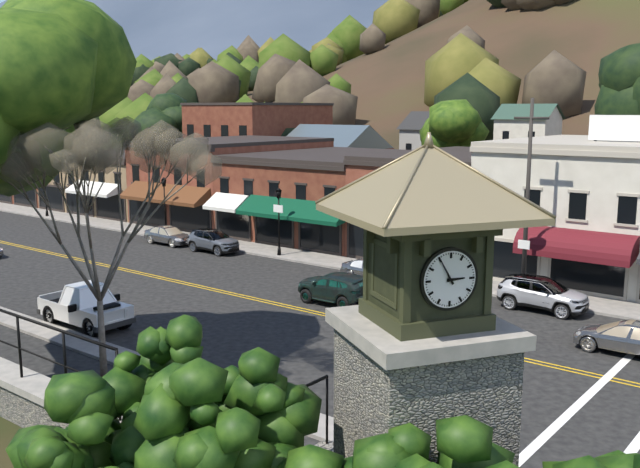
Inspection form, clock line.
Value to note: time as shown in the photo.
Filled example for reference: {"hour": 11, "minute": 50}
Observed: {"hour": 2, "minute": 55}
